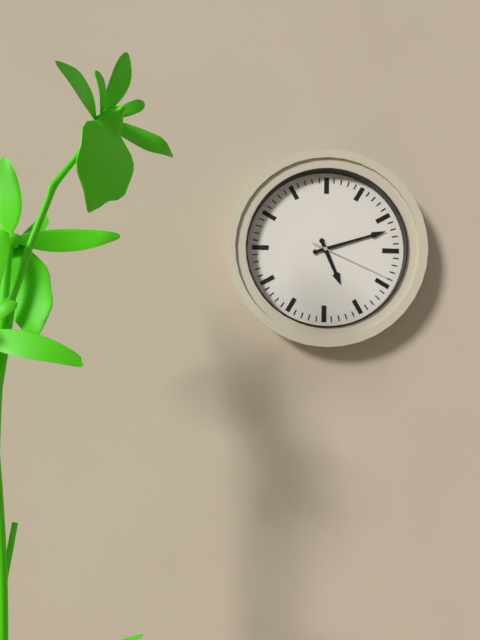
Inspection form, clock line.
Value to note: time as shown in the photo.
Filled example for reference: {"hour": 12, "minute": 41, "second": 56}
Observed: {"hour": 5, "minute": 12, "second": 19}
